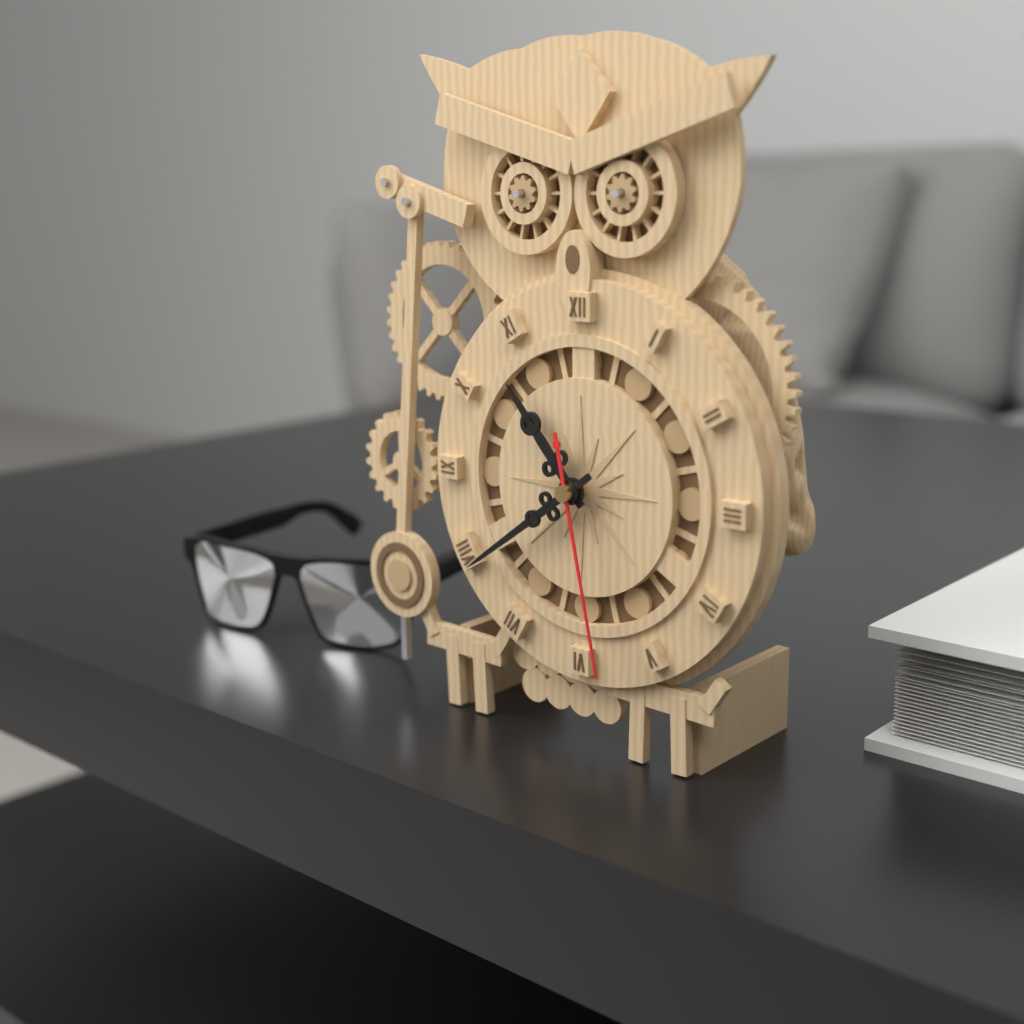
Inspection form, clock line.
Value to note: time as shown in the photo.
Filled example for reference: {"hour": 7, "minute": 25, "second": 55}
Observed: {"hour": 10, "minute": 39, "second": 28}
